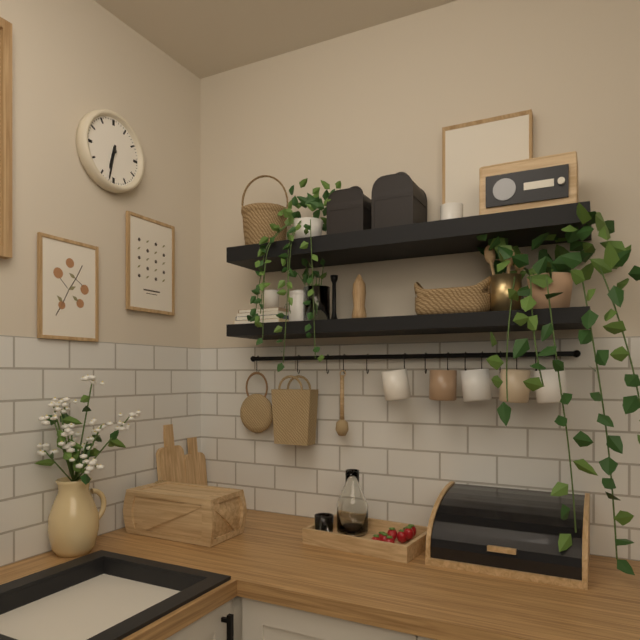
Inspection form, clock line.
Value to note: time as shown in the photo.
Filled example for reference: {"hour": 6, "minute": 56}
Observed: {"hour": 6, "minute": 32}
